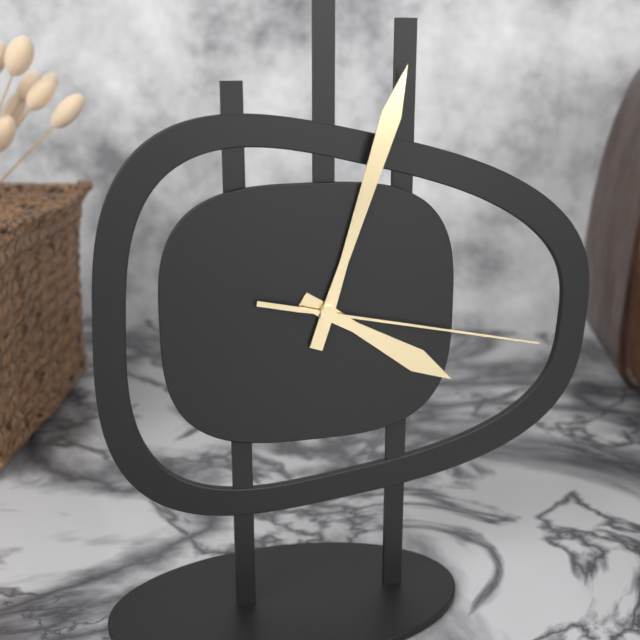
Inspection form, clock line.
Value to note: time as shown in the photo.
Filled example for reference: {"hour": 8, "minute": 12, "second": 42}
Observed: {"hour": 4, "minute": 3, "second": 17}
